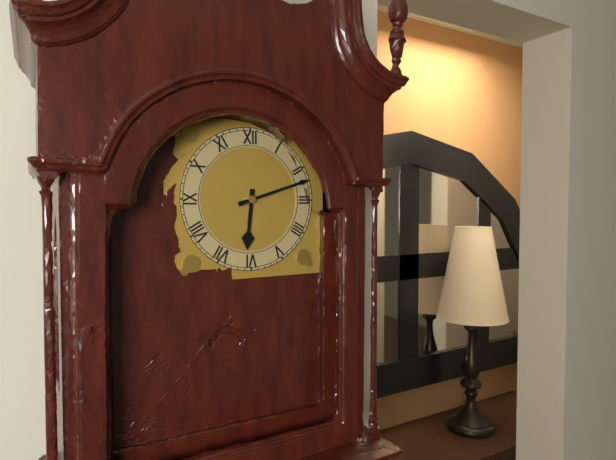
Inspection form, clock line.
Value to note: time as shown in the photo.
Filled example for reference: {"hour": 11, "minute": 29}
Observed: {"hour": 6, "minute": 12}
